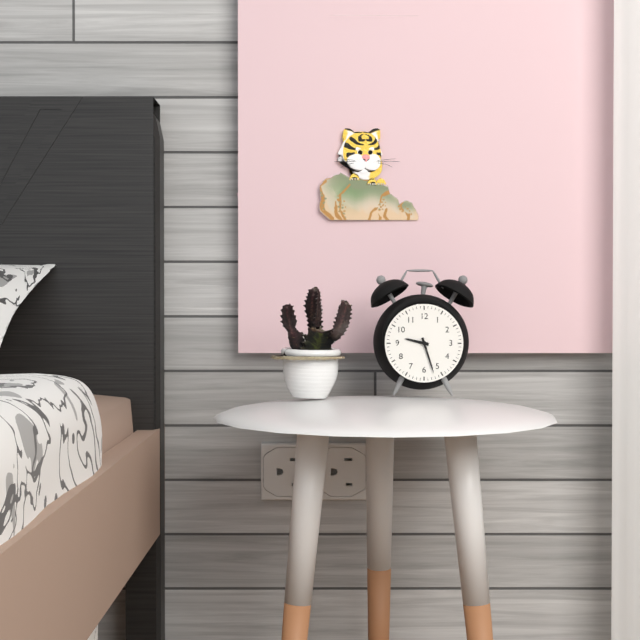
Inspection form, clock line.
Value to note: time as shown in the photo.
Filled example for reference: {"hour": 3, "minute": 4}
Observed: {"hour": 9, "minute": 27}
